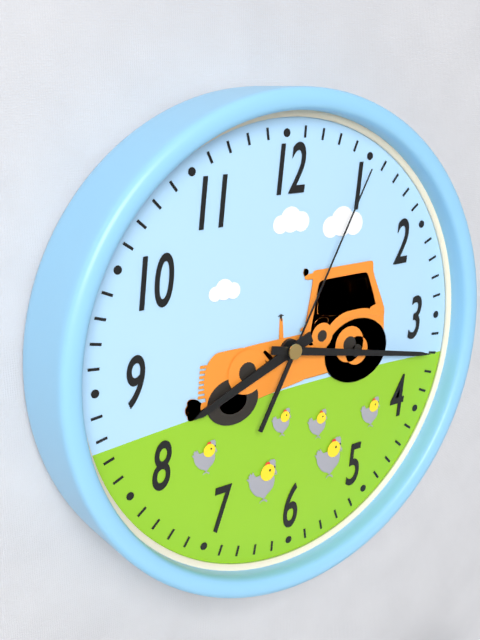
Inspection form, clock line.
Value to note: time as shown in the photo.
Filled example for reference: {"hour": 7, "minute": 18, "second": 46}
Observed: {"hour": 8, "minute": 17, "second": 5}
